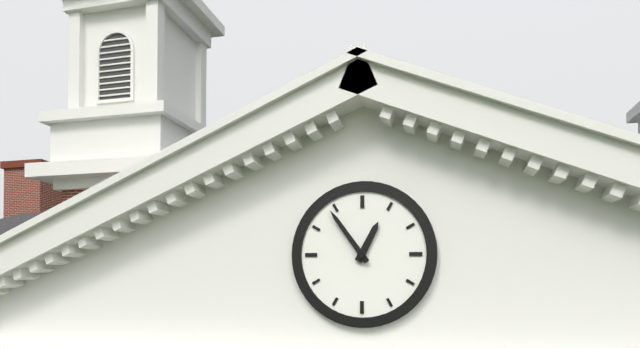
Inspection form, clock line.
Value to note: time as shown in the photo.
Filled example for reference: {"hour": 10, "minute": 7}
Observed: {"hour": 12, "minute": 54}
